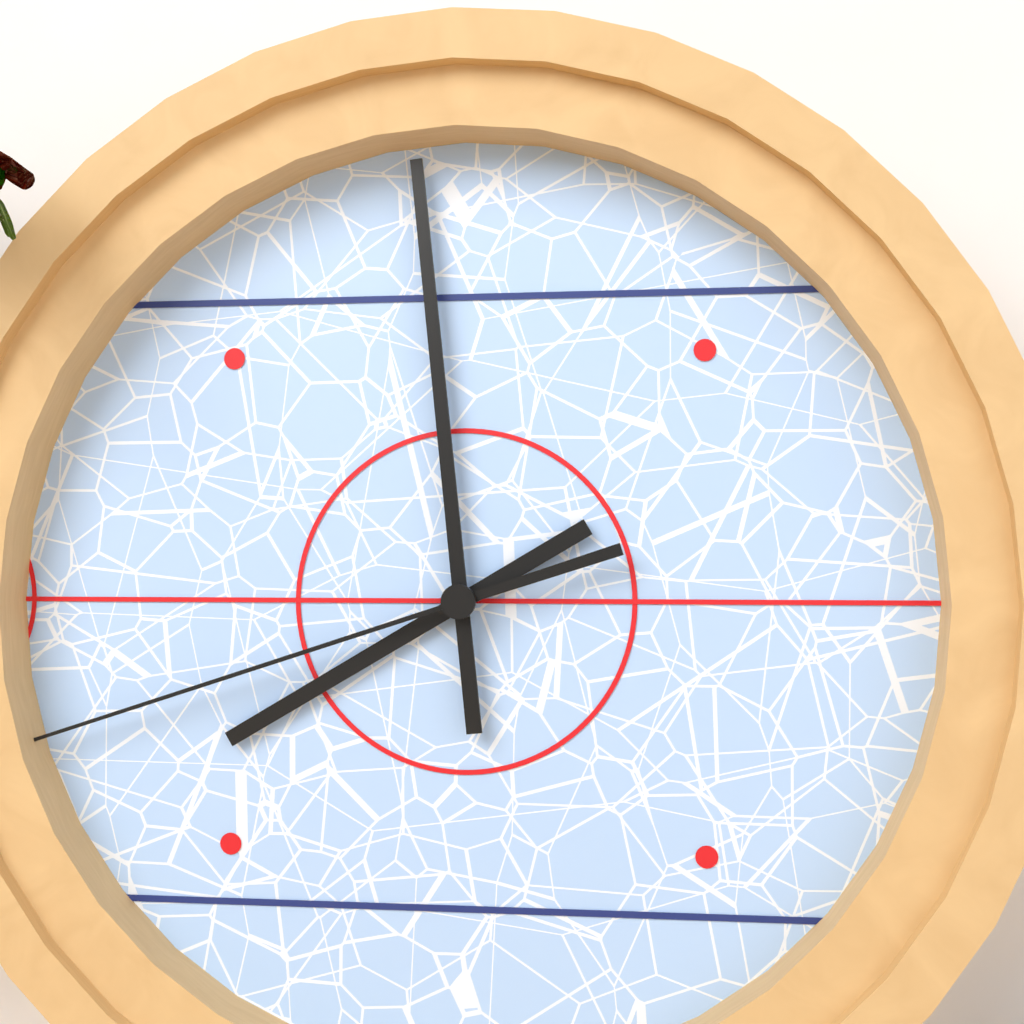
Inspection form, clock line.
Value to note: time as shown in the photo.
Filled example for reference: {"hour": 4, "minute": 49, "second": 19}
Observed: {"hour": 7, "minute": 59, "second": 42}
